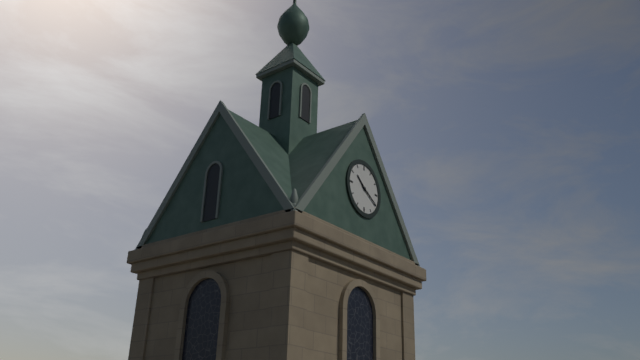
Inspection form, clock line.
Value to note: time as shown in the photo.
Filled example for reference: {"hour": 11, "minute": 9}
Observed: {"hour": 10, "minute": 20}
